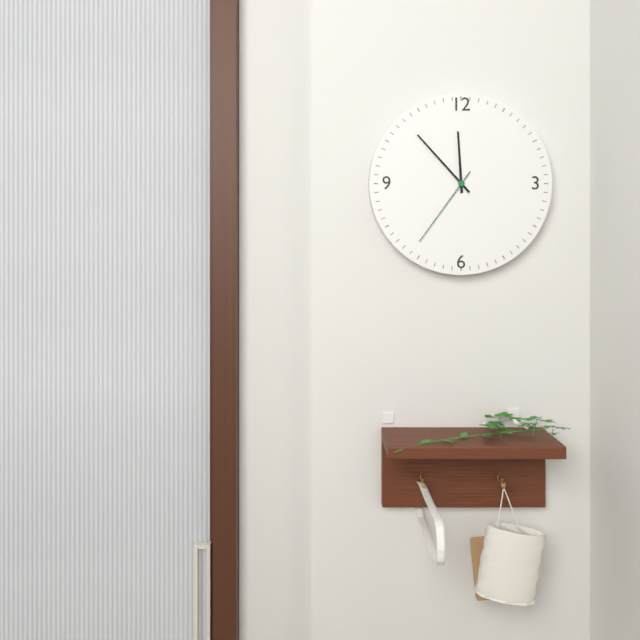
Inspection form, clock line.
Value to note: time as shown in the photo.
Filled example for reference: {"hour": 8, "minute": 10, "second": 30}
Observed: {"hour": 11, "minute": 53, "second": 36}
